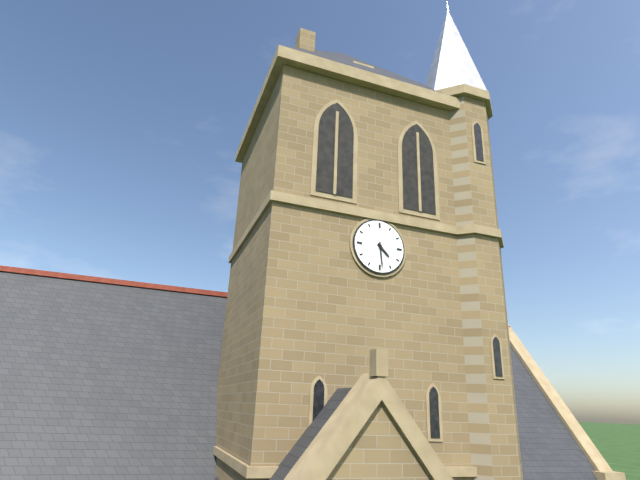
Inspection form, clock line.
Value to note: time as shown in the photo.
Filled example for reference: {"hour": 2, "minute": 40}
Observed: {"hour": 4, "minute": 29}
